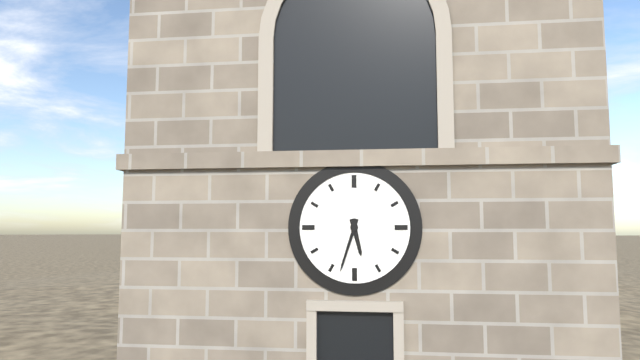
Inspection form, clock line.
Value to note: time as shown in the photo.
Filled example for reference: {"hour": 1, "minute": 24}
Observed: {"hour": 5, "minute": 33}
